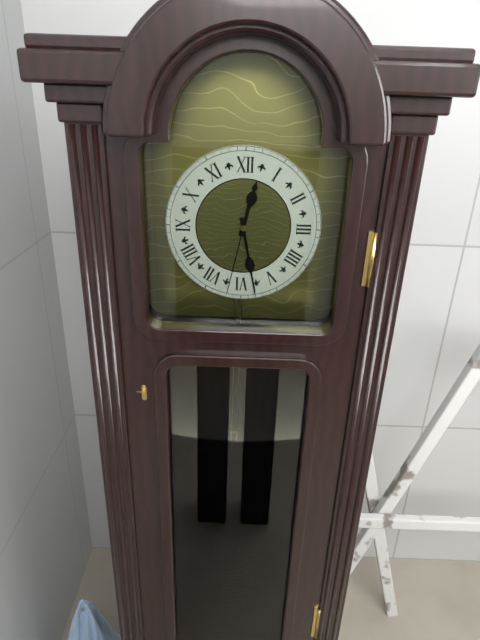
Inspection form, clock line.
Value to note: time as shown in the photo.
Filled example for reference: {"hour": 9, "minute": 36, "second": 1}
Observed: {"hour": 12, "minute": 28, "second": 32}
